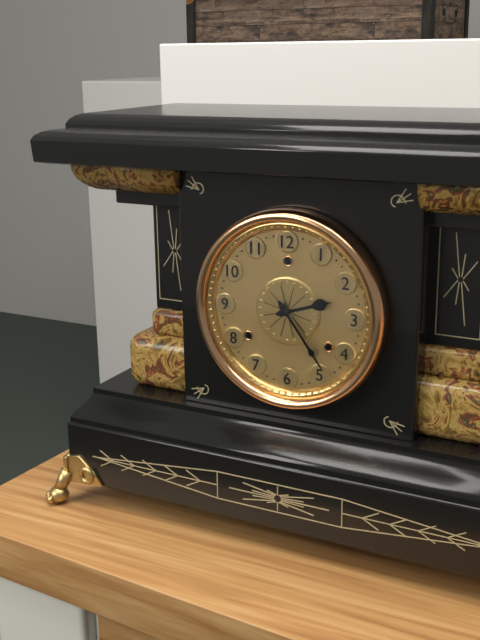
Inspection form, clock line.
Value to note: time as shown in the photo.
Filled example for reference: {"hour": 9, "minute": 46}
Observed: {"hour": 2, "minute": 24}
